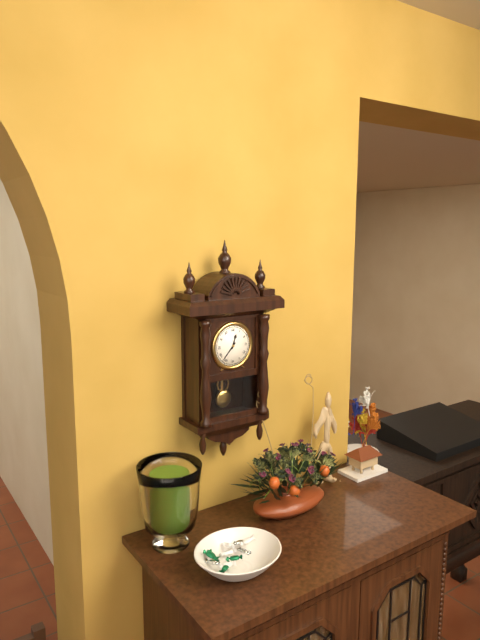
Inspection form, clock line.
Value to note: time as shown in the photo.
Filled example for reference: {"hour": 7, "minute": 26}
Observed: {"hour": 12, "minute": 37}
